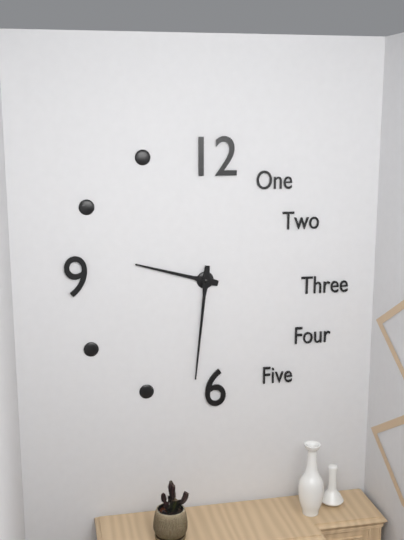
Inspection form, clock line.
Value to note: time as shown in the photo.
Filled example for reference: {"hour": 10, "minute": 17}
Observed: {"hour": 9, "minute": 31}
